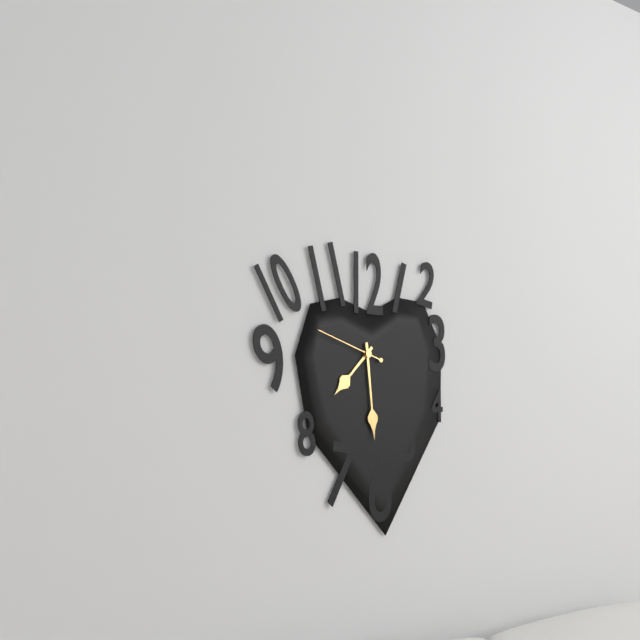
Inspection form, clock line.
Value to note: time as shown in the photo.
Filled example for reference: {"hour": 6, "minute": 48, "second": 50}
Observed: {"hour": 7, "minute": 29, "second": 48}
